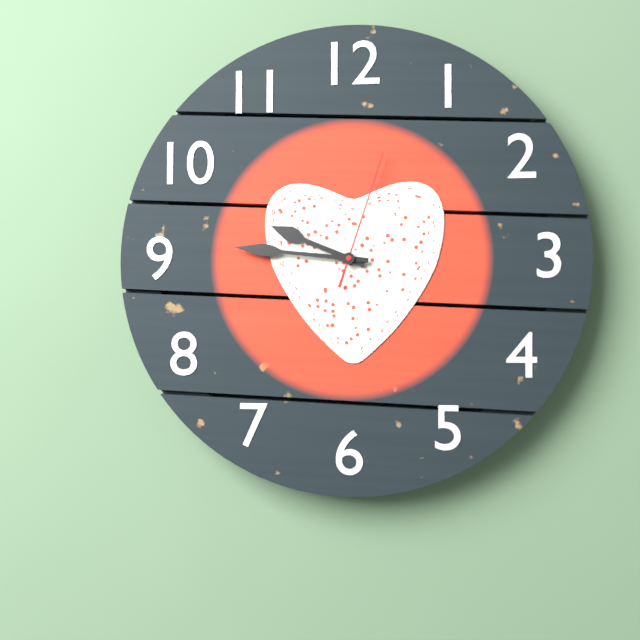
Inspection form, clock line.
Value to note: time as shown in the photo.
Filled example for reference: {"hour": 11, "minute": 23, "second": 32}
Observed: {"hour": 9, "minute": 46, "second": 3}
